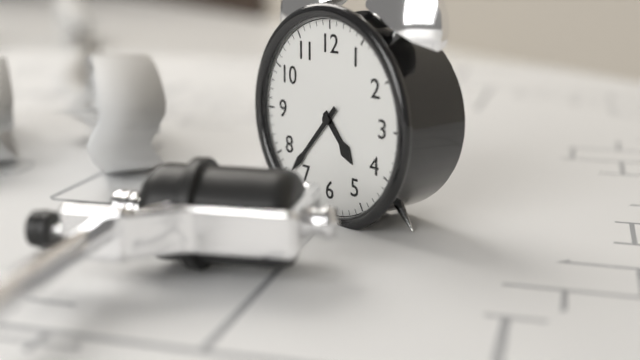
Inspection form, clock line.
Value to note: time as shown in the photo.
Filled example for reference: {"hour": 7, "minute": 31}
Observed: {"hour": 4, "minute": 37}
